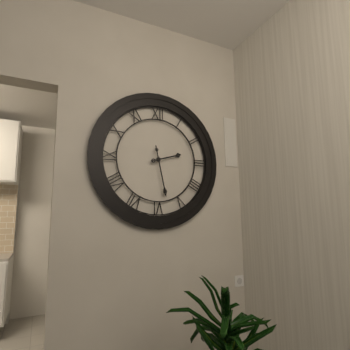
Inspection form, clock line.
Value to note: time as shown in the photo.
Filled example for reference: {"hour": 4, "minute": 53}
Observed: {"hour": 2, "minute": 28}
